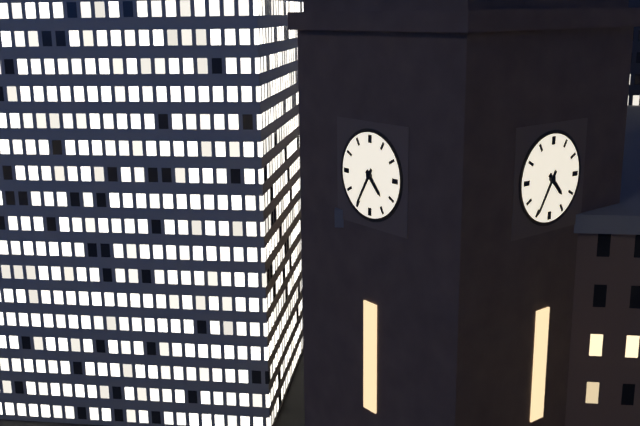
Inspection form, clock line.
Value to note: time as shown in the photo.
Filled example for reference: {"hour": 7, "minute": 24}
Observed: {"hour": 4, "minute": 35}
